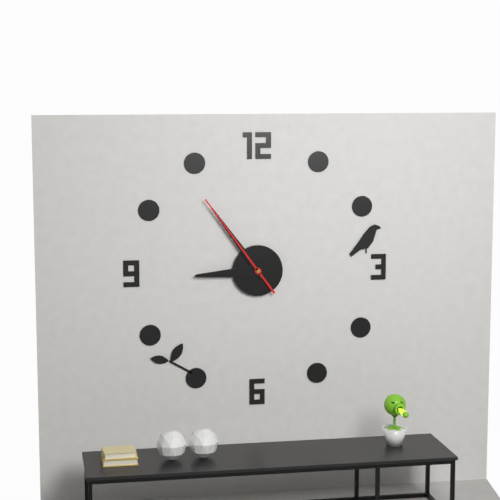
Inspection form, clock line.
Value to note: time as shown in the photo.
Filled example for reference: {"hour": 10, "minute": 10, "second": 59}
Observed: {"hour": 8, "minute": 54, "second": 54}
